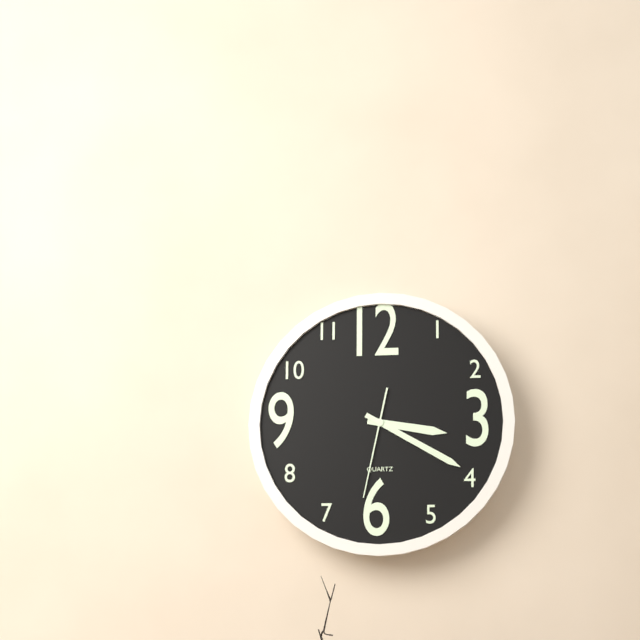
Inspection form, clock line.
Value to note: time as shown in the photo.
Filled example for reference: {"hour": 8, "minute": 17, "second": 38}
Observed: {"hour": 3, "minute": 20, "second": 32}
